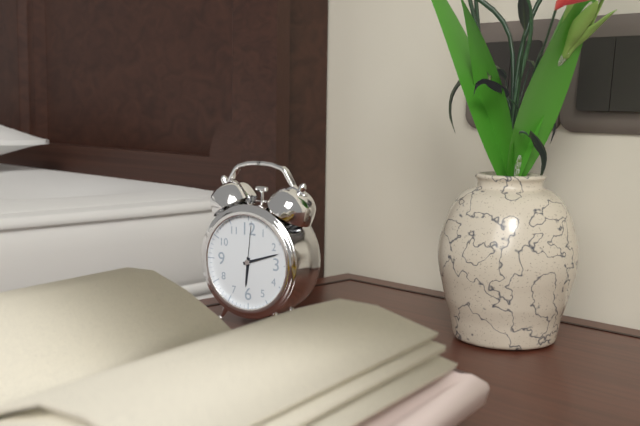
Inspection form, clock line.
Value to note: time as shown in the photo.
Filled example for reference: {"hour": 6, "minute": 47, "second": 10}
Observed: {"hour": 6, "minute": 12, "second": 1}
